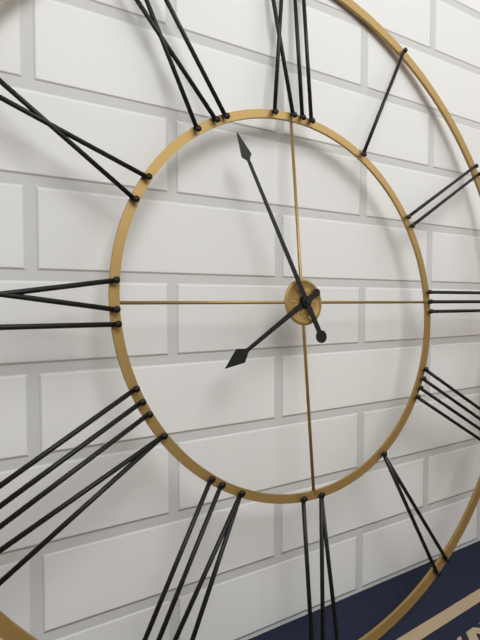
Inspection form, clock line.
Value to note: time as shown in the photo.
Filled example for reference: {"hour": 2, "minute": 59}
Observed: {"hour": 7, "minute": 56}
